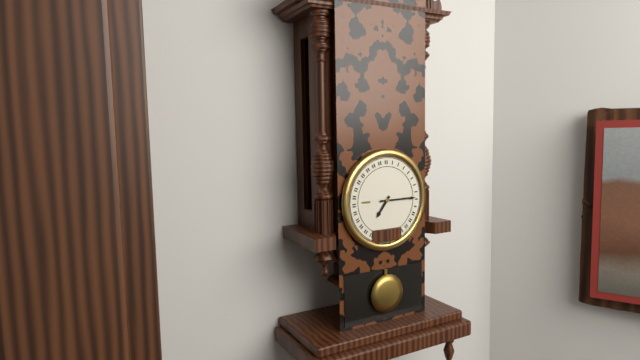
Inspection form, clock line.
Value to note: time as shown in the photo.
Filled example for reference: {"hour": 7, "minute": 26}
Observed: {"hour": 7, "minute": 15}
